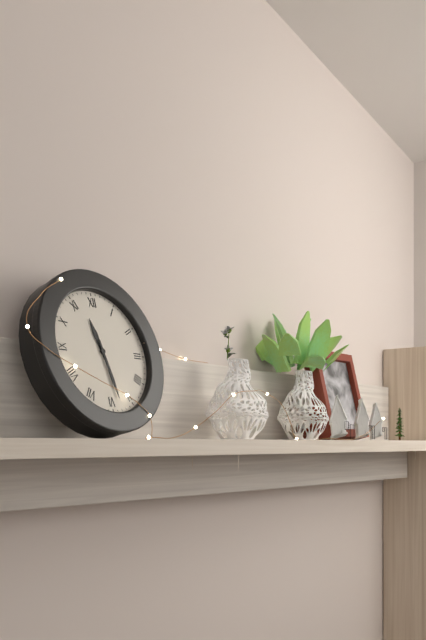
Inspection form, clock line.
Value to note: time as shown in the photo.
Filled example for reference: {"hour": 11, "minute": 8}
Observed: {"hour": 11, "minute": 28}
